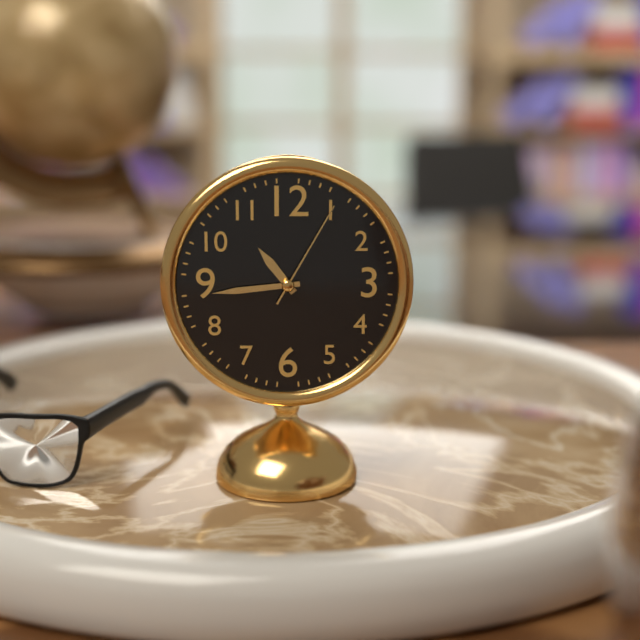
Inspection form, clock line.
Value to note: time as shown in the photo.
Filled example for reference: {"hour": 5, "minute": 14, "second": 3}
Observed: {"hour": 10, "minute": 44, "second": 5}
